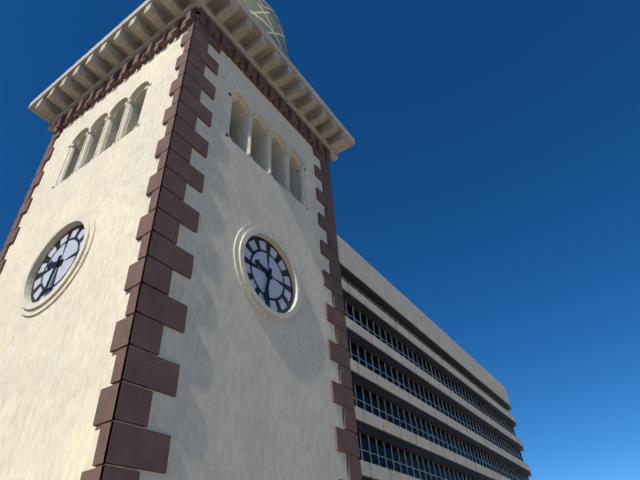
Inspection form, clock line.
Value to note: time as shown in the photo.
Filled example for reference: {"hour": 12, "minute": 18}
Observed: {"hour": 9, "minute": 32}
